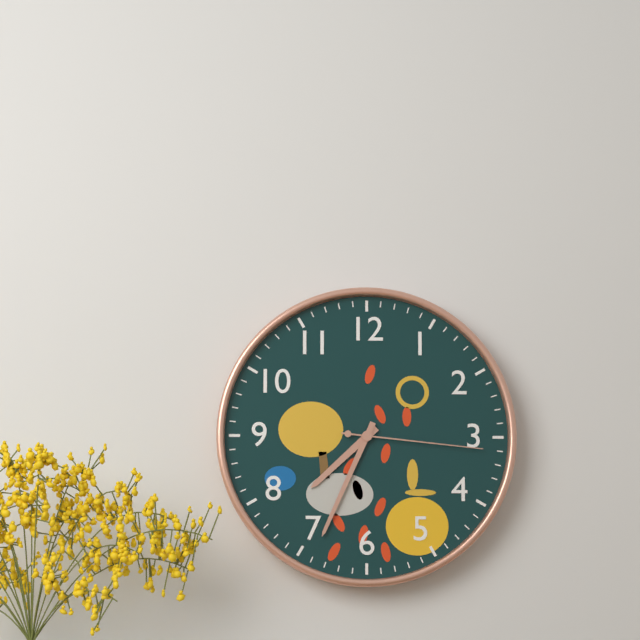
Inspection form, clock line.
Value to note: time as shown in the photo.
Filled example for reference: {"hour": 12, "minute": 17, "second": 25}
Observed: {"hour": 7, "minute": 34, "second": 16}
